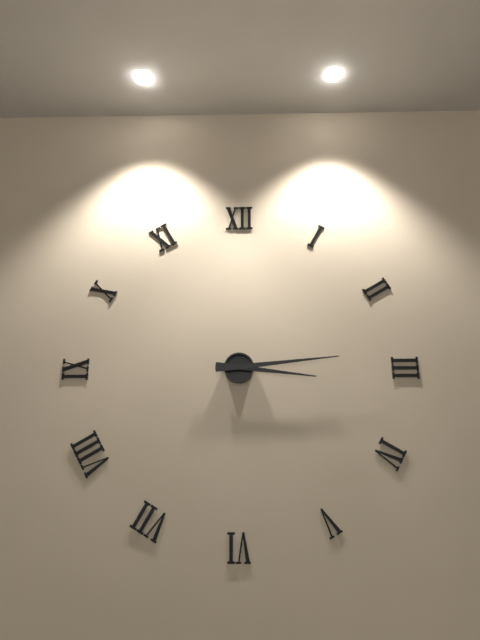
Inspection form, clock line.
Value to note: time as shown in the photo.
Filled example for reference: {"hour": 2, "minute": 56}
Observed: {"hour": 3, "minute": 14}
